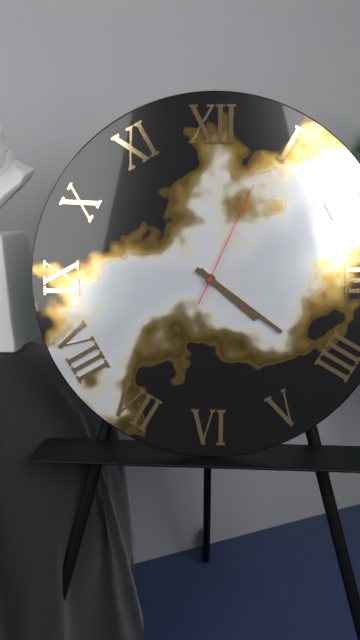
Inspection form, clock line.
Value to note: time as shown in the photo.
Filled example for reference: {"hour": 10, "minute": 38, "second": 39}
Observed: {"hour": 4, "minute": 21, "second": 4}
